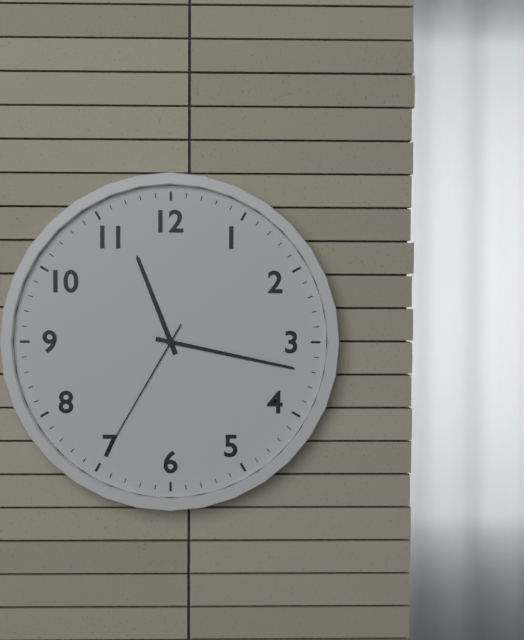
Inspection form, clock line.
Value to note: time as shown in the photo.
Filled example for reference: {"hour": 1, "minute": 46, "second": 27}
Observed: {"hour": 11, "minute": 17, "second": 35}
